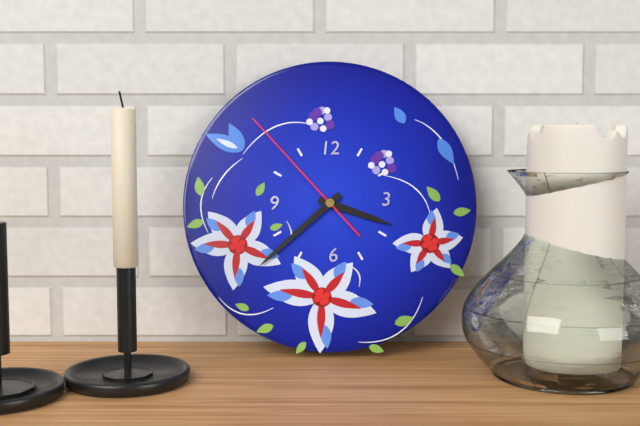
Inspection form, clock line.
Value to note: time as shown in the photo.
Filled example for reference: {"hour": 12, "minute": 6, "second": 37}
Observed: {"hour": 3, "minute": 38, "second": 53}
